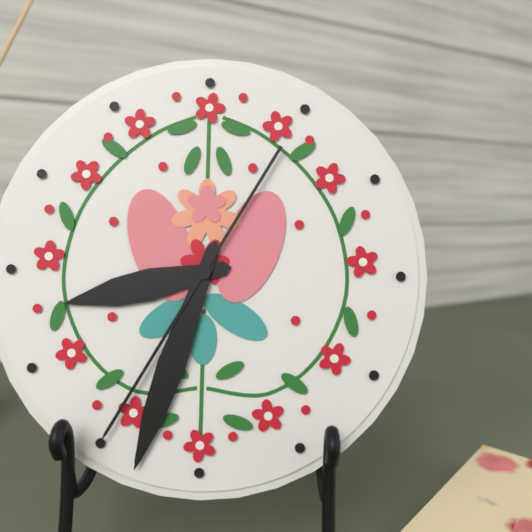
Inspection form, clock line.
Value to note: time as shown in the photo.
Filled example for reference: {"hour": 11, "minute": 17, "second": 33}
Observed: {"hour": 8, "minute": 33, "second": 35}
